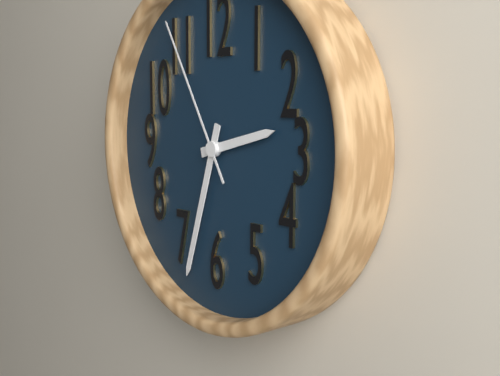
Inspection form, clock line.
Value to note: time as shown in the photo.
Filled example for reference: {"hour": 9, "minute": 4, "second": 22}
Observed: {"hour": 2, "minute": 33, "second": 55}
